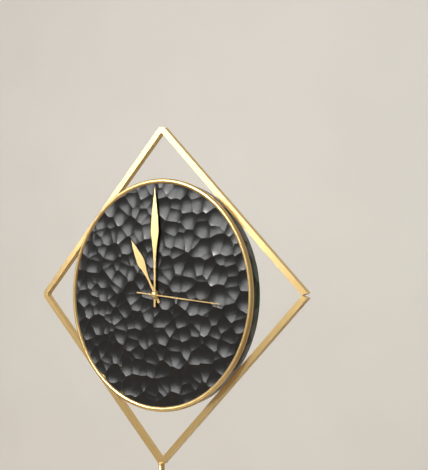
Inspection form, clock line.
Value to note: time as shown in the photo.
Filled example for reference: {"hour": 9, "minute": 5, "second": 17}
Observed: {"hour": 11, "minute": 0, "second": 16}
